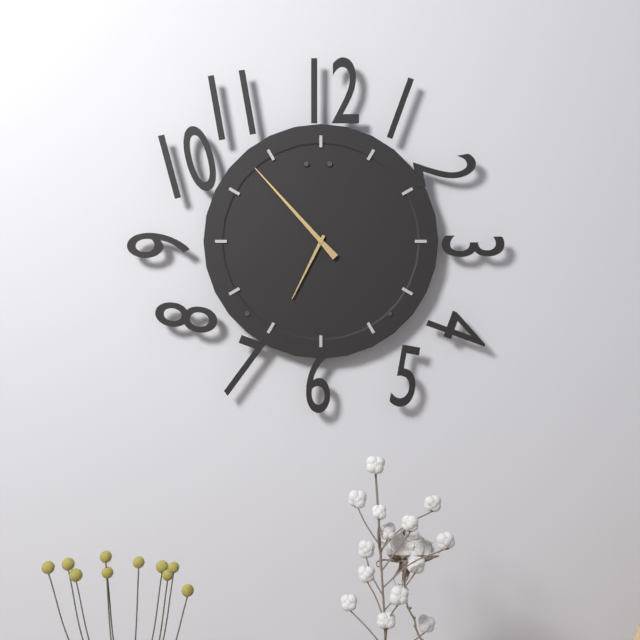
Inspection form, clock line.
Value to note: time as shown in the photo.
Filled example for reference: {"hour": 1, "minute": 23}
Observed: {"hour": 6, "minute": 53}
